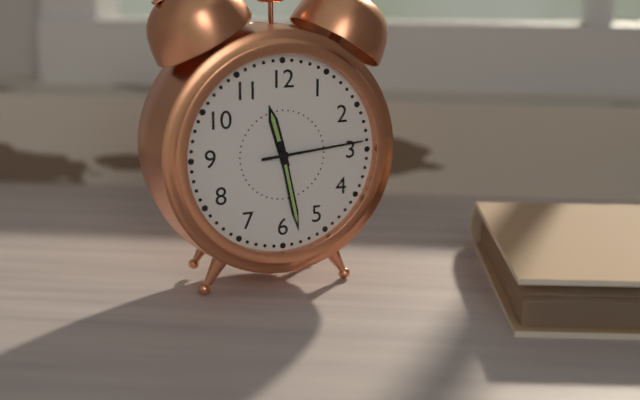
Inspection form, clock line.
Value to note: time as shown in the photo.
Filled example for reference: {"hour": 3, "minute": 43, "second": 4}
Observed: {"hour": 11, "minute": 28, "second": 14}
